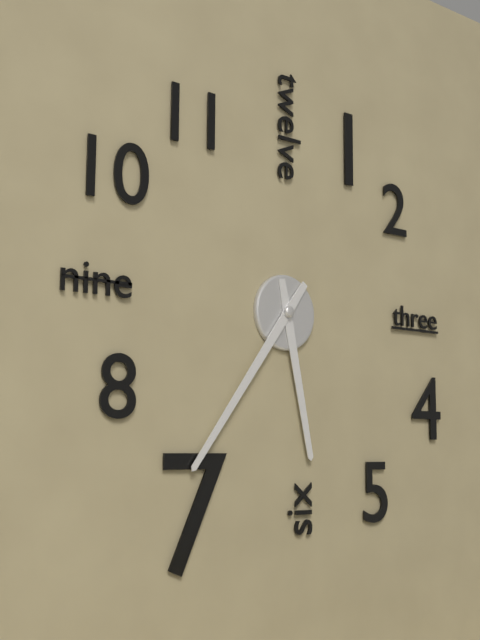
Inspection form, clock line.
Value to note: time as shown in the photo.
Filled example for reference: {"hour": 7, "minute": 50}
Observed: {"hour": 5, "minute": 36}
